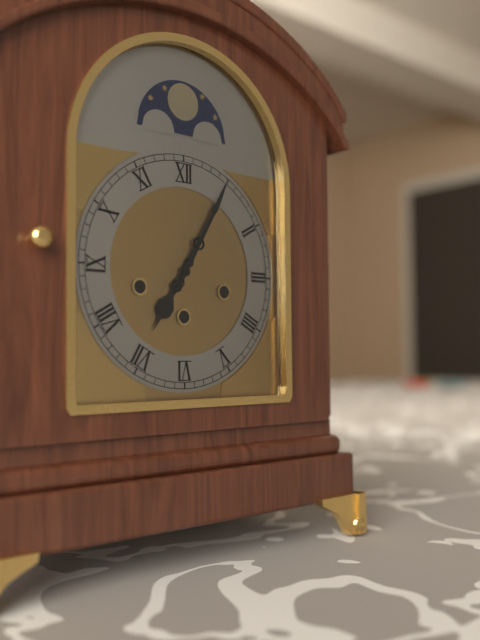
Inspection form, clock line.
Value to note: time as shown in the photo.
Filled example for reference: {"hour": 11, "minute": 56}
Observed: {"hour": 7, "minute": 5}
